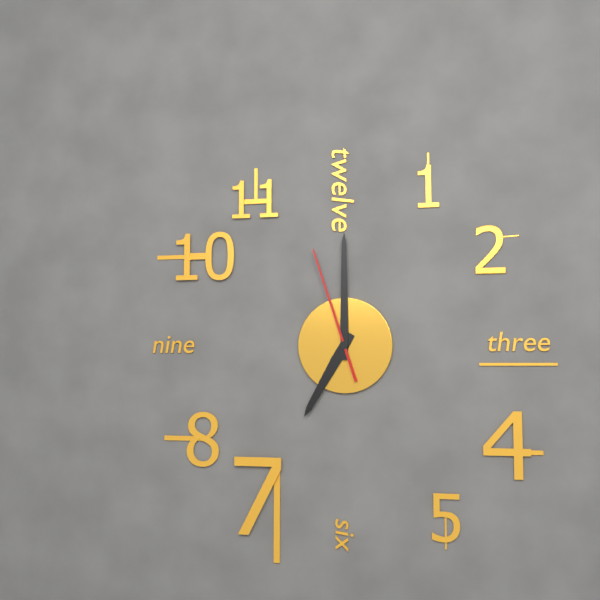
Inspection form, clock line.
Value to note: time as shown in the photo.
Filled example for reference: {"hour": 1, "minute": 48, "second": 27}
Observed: {"hour": 7, "minute": 0, "second": 57}
